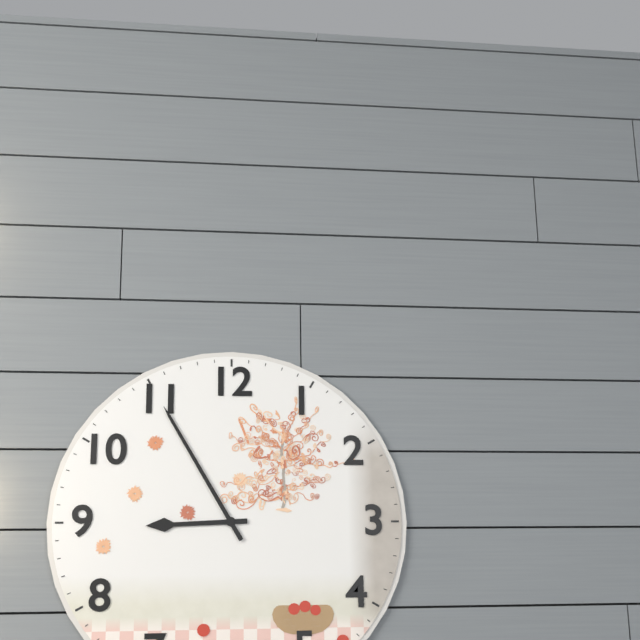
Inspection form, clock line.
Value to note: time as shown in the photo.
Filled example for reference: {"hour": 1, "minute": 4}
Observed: {"hour": 8, "minute": 55}
